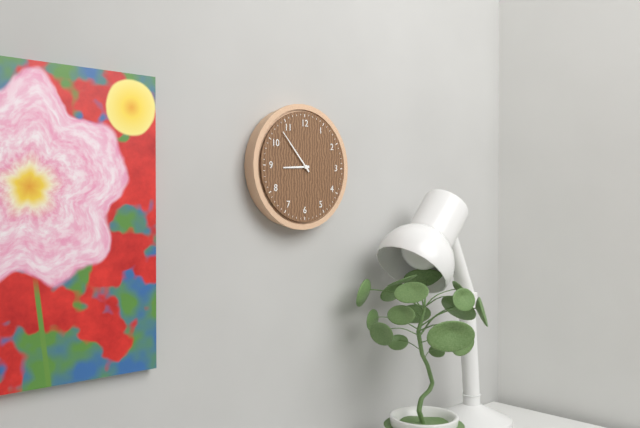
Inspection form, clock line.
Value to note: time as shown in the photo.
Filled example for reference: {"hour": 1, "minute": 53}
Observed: {"hour": 8, "minute": 53}
